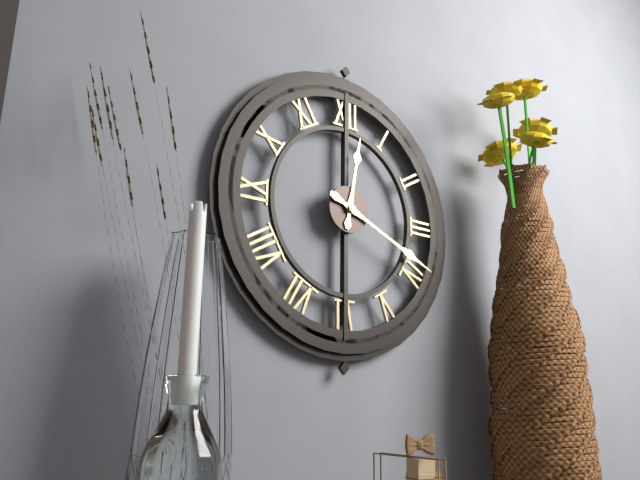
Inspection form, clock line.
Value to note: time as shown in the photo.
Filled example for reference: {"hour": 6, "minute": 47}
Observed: {"hour": 12, "minute": 19}
